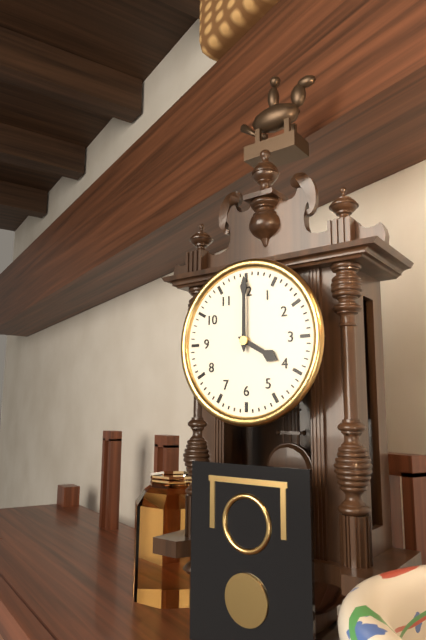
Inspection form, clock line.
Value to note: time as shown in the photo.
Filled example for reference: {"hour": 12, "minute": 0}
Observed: {"hour": 4, "minute": 0}
